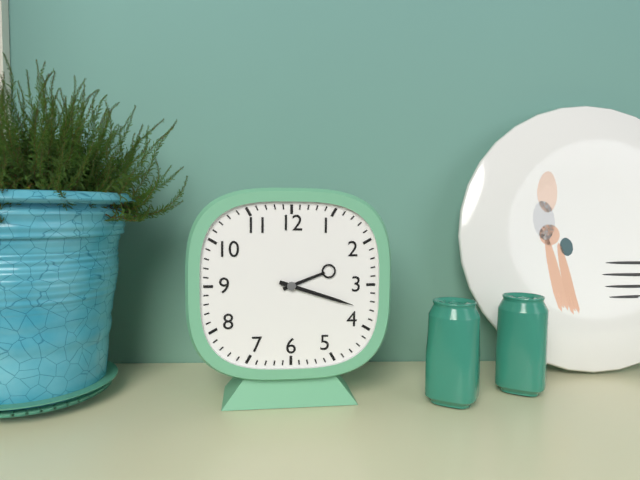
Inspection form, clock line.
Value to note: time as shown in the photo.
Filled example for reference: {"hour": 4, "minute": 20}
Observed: {"hour": 2, "minute": 18}
